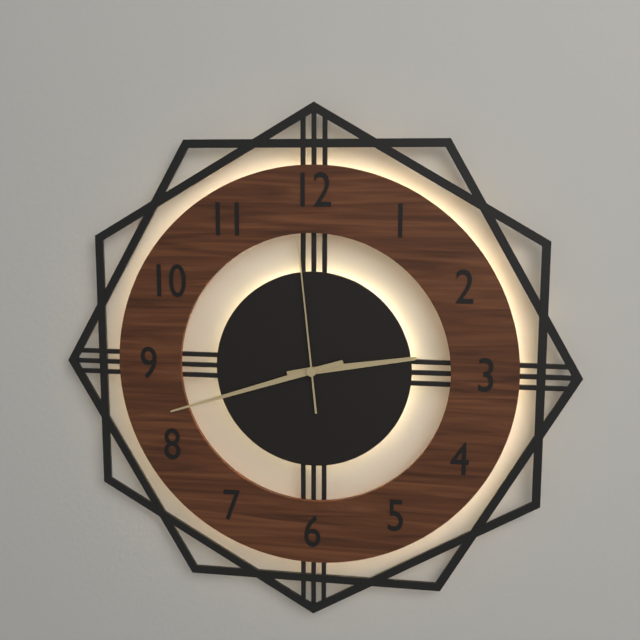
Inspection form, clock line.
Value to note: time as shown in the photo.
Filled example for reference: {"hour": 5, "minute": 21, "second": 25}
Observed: {"hour": 2, "minute": 42, "second": 59}
